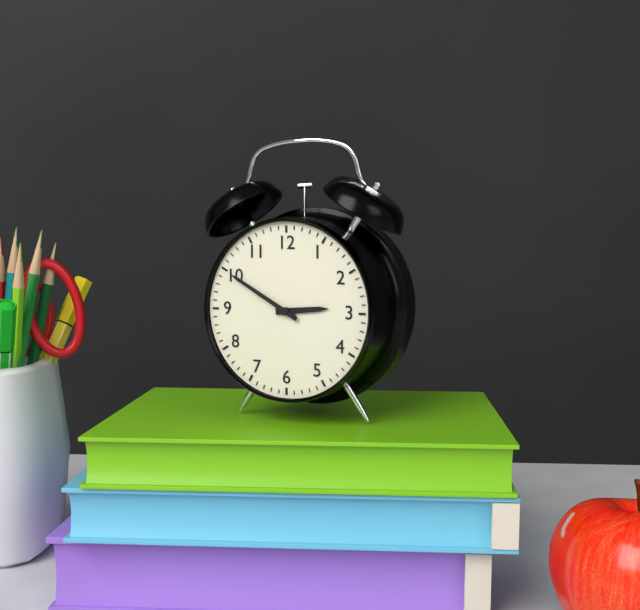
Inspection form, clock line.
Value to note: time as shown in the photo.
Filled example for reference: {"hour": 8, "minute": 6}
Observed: {"hour": 2, "minute": 50}
